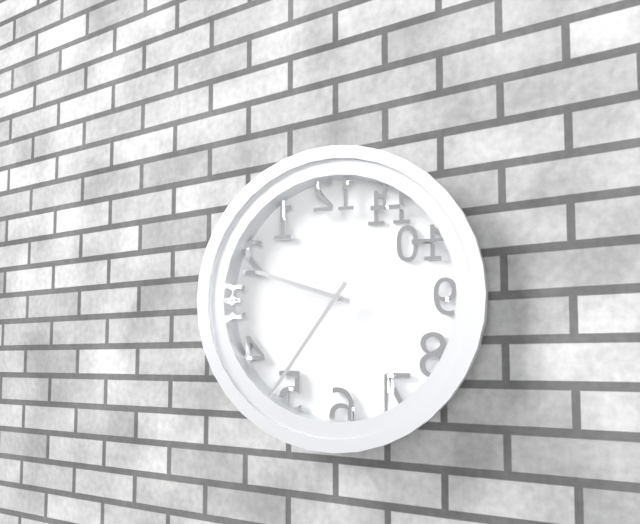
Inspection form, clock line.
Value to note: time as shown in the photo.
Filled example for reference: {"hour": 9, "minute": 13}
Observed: {"hour": 9, "minute": 36}
